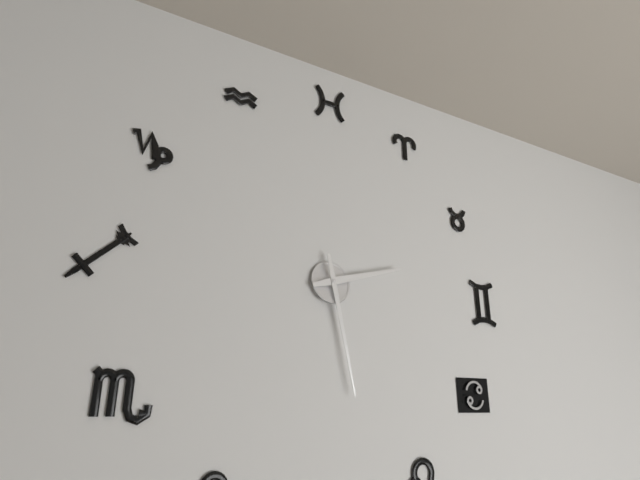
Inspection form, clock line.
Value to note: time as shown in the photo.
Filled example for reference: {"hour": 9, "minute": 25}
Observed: {"hour": 2, "minute": 28}
